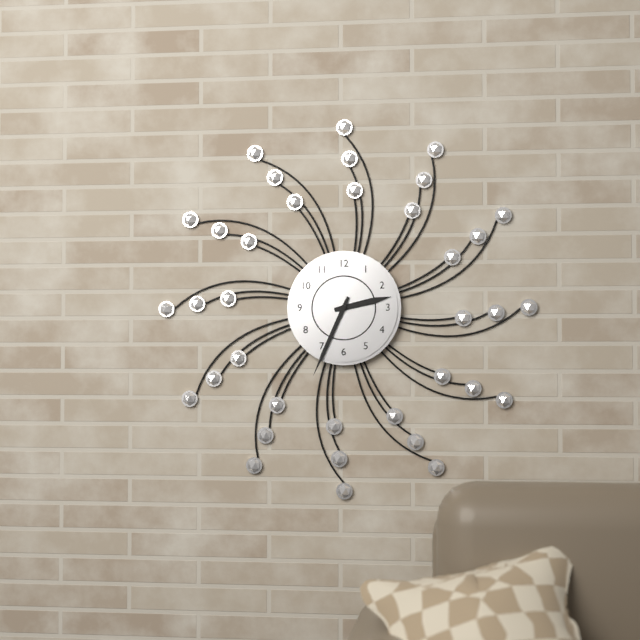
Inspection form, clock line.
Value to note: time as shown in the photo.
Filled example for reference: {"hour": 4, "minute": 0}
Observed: {"hour": 2, "minute": 34}
